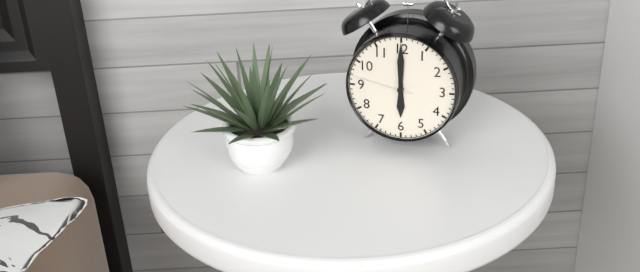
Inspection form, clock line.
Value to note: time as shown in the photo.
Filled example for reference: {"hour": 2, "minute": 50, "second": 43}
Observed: {"hour": 6, "minute": 0, "second": 47}
